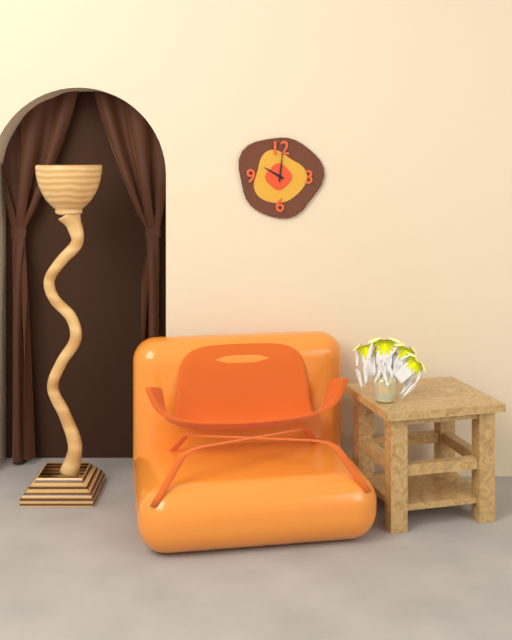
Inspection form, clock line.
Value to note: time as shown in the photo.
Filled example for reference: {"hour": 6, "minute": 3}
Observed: {"hour": 10, "minute": 1}
